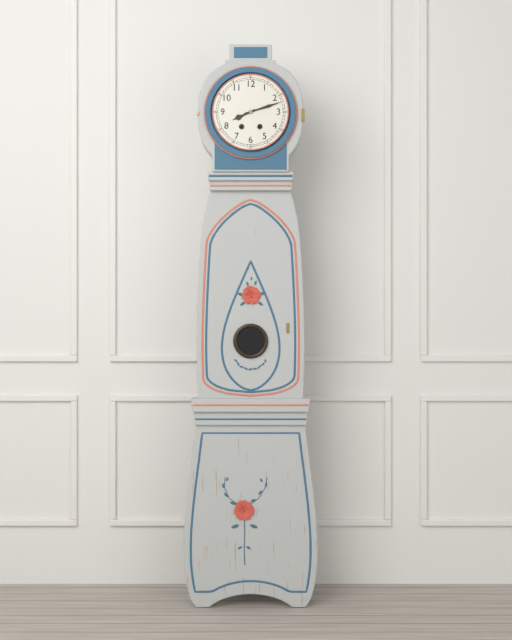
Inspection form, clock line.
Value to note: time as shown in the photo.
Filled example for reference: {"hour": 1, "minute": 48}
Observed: {"hour": 8, "minute": 12}
